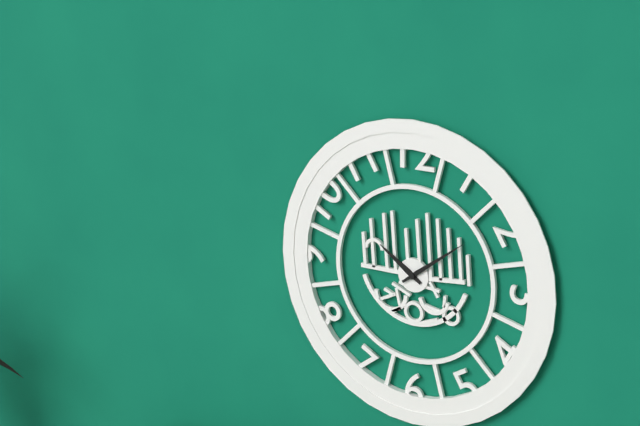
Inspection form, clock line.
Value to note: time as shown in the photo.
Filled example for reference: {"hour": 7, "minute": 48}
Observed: {"hour": 10, "minute": 9}
